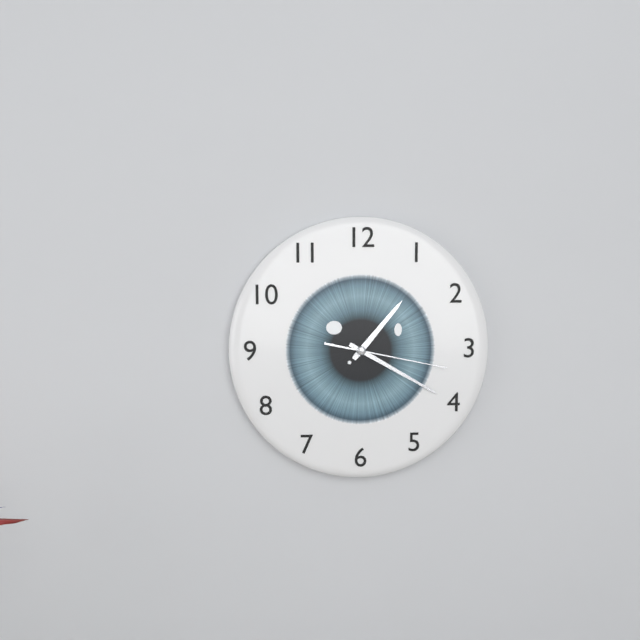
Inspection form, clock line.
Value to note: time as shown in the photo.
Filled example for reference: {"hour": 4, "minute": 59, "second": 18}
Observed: {"hour": 1, "minute": 20, "second": 17}
